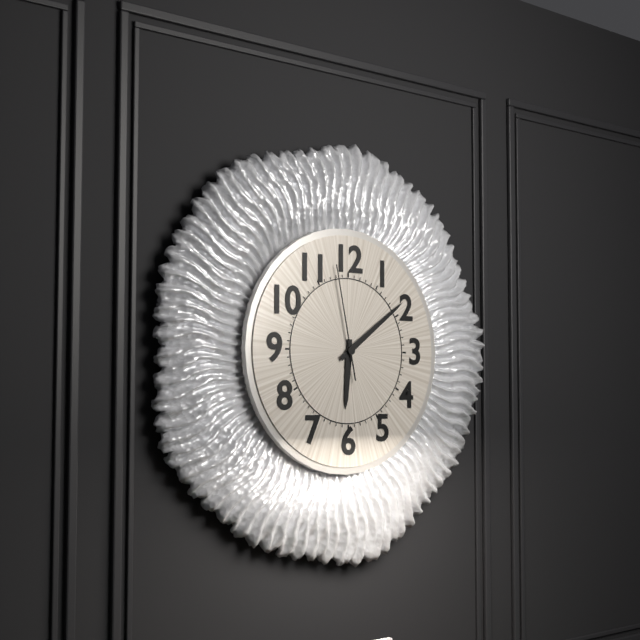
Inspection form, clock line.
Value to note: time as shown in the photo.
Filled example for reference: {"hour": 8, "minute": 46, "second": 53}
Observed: {"hour": 6, "minute": 9, "second": 58}
